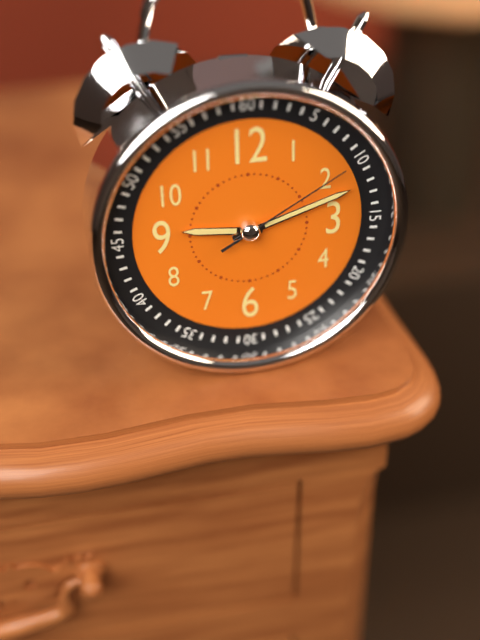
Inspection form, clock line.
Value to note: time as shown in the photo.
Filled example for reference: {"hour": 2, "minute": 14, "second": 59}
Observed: {"hour": 9, "minute": 12, "second": 10}
